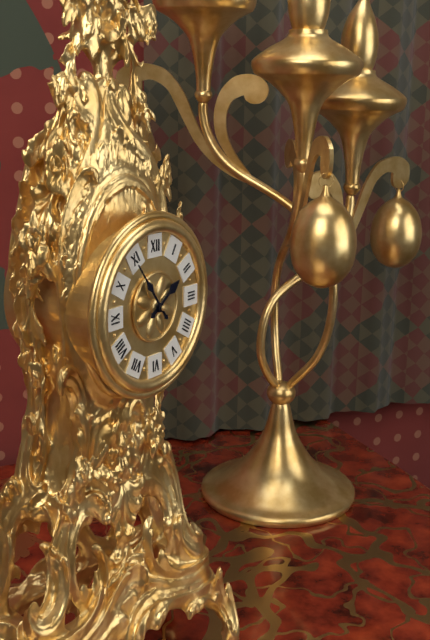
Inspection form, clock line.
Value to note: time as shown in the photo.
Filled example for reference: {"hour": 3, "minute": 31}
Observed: {"hour": 1, "minute": 54}
